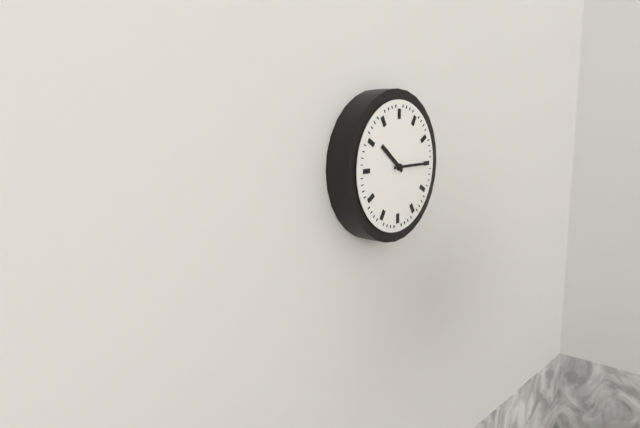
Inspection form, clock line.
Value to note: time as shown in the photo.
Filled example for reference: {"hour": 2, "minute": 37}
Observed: {"hour": 10, "minute": 15}
